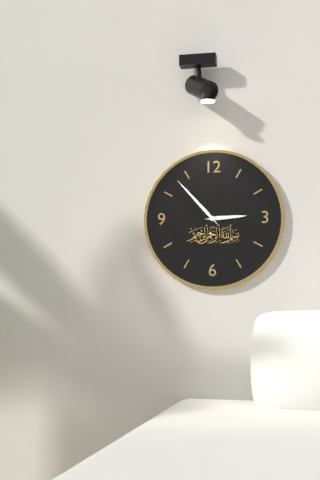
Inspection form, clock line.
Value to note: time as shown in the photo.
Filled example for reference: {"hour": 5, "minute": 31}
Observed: {"hour": 2, "minute": 53}
